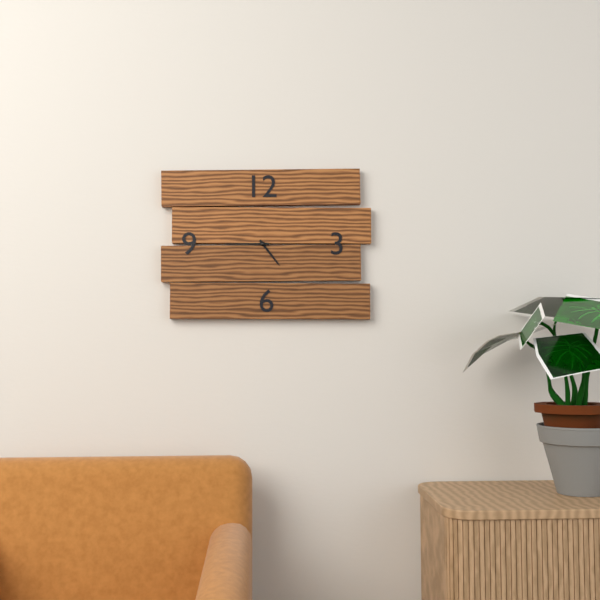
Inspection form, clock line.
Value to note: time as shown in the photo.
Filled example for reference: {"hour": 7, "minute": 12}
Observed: {"hour": 4, "minute": 45}
